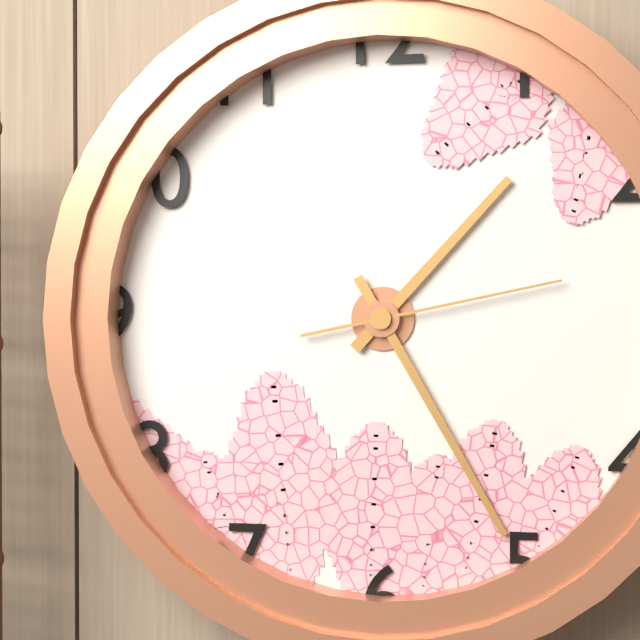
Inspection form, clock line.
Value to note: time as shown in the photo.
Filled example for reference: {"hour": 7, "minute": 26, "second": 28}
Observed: {"hour": 1, "minute": 25, "second": 13}
